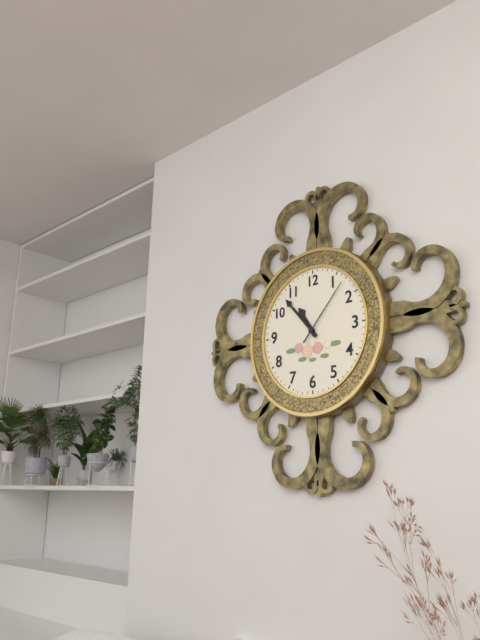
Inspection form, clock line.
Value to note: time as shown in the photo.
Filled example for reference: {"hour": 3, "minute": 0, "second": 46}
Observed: {"hour": 10, "minute": 53, "second": 7}
